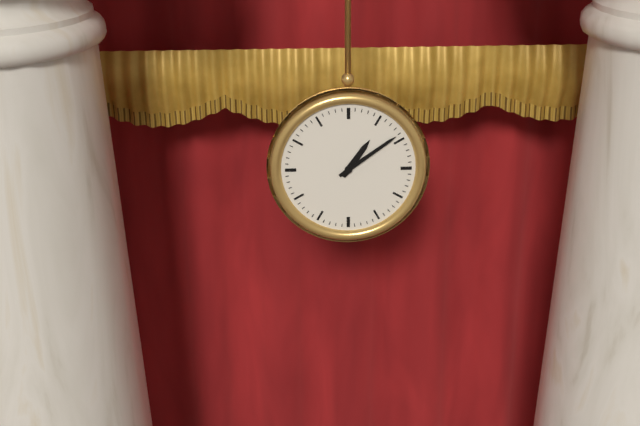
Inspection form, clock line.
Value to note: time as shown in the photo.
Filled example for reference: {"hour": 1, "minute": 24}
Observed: {"hour": 1, "minute": 9}
